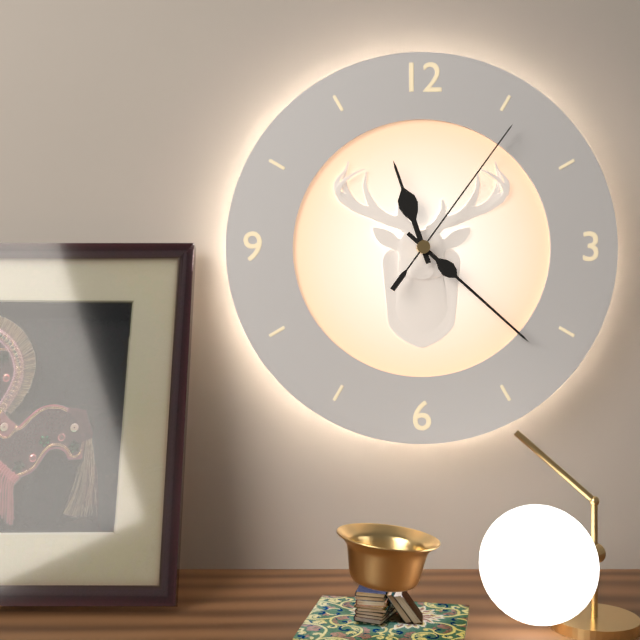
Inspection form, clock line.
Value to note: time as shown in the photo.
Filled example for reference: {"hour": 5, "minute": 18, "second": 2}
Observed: {"hour": 11, "minute": 22, "second": 6}
